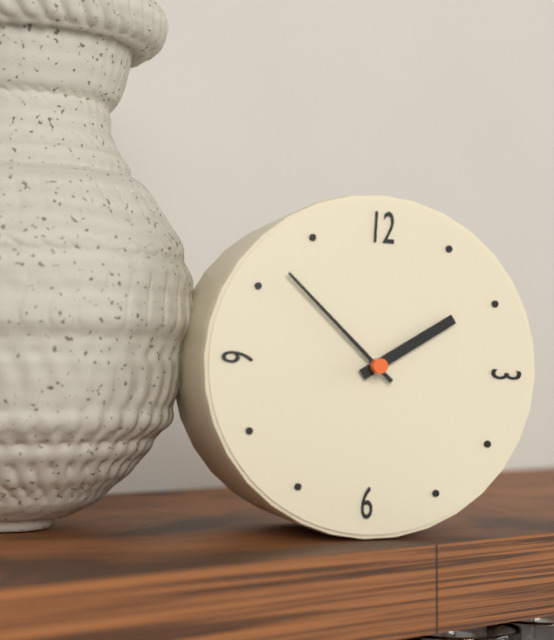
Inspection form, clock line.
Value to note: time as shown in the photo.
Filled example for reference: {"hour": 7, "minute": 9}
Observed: {"hour": 1, "minute": 52}
